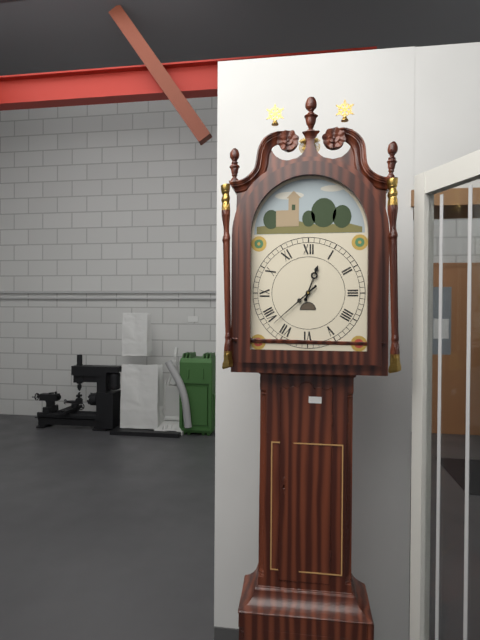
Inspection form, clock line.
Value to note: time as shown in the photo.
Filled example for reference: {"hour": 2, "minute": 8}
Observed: {"hour": 12, "minute": 38}
